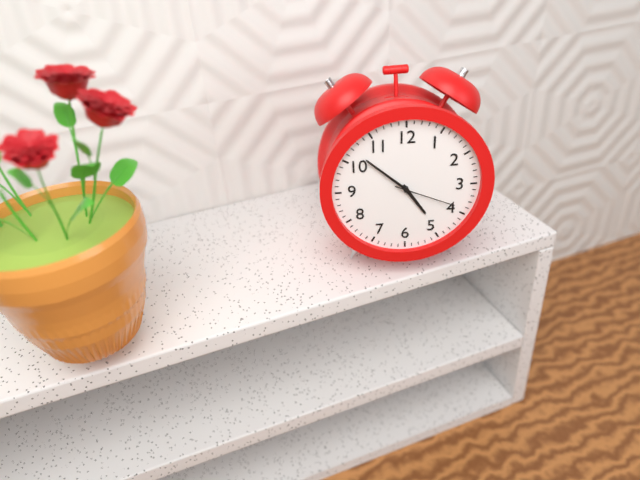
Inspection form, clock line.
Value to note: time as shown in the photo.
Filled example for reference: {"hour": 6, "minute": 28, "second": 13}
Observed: {"hour": 4, "minute": 52, "second": 19}
